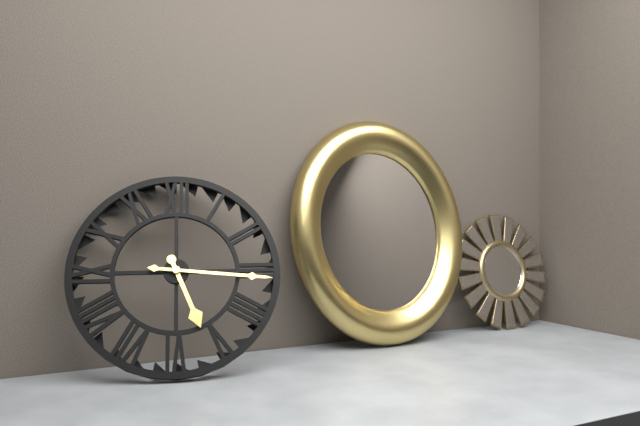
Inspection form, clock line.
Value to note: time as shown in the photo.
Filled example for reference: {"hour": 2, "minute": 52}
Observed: {"hour": 5, "minute": 16}
